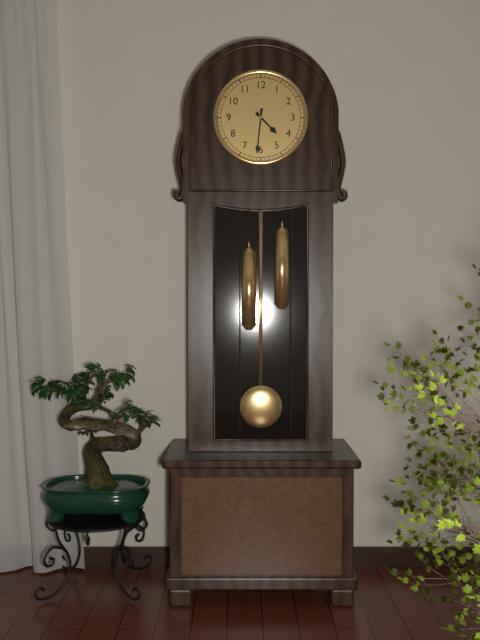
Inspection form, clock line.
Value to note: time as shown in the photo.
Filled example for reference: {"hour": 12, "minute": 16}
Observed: {"hour": 4, "minute": 31}
